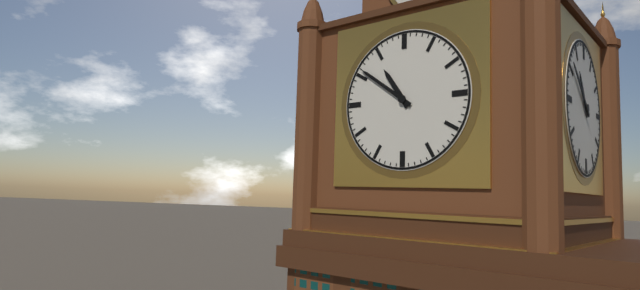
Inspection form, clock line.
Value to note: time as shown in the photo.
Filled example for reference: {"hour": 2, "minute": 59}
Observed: {"hour": 10, "minute": 51}
